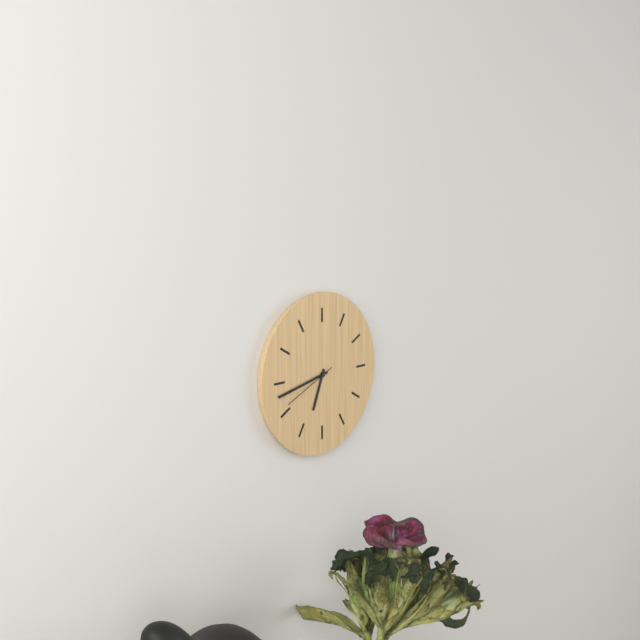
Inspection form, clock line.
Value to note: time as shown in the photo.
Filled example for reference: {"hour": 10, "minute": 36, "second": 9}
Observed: {"hour": 6, "minute": 43, "second": 41}
